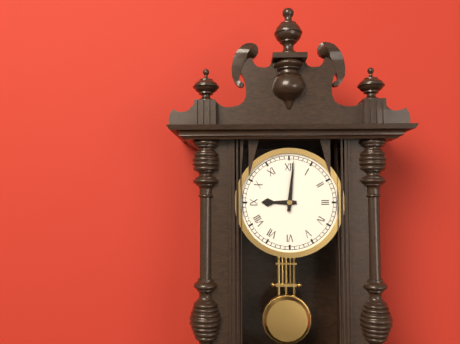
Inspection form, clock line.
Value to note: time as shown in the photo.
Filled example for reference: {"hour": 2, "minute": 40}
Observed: {"hour": 9, "minute": 1}
